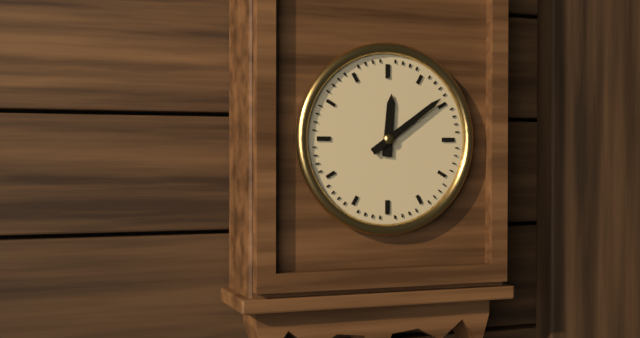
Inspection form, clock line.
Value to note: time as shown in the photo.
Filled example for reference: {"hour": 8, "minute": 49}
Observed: {"hour": 12, "minute": 9}
